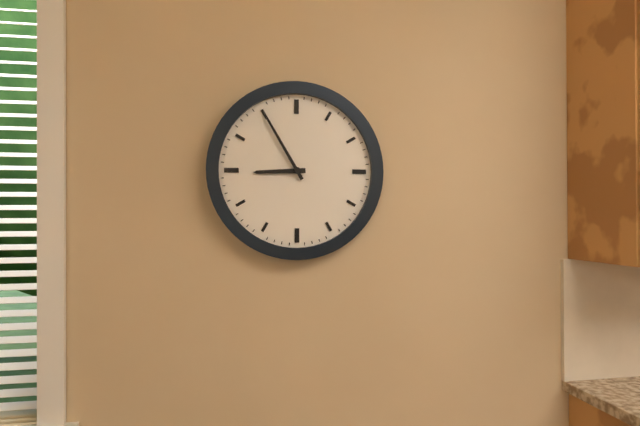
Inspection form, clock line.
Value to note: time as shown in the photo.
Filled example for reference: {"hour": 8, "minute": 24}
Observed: {"hour": 8, "minute": 55}
